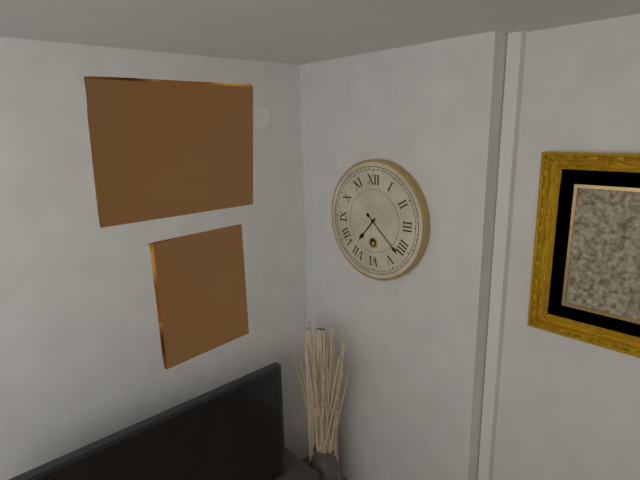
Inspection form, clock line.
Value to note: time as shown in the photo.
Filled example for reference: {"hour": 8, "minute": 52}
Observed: {"hour": 7, "minute": 22}
